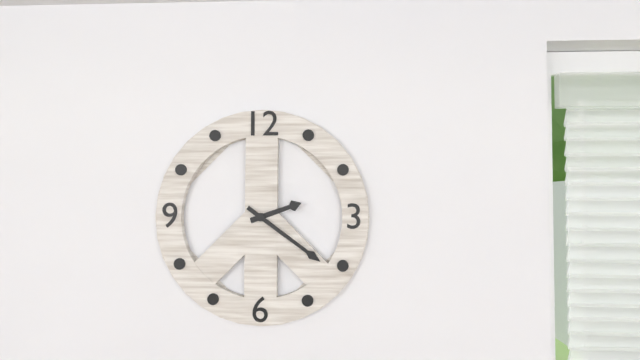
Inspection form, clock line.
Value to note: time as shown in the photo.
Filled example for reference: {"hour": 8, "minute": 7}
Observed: {"hour": 2, "minute": 21}
